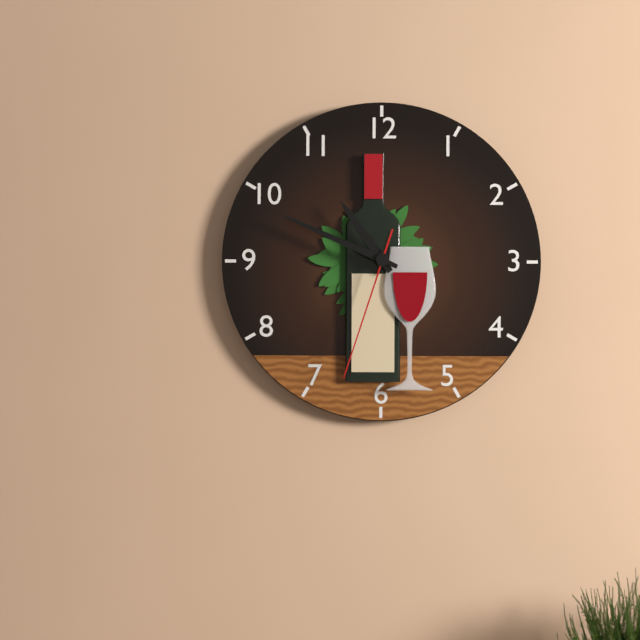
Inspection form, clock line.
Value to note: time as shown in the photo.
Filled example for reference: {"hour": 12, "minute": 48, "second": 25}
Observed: {"hour": 10, "minute": 49, "second": 33}
